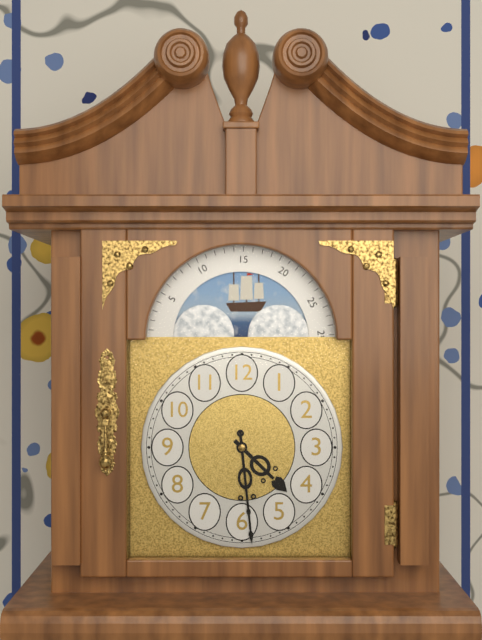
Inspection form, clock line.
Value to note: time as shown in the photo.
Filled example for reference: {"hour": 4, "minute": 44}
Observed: {"hour": 4, "minute": 29}
